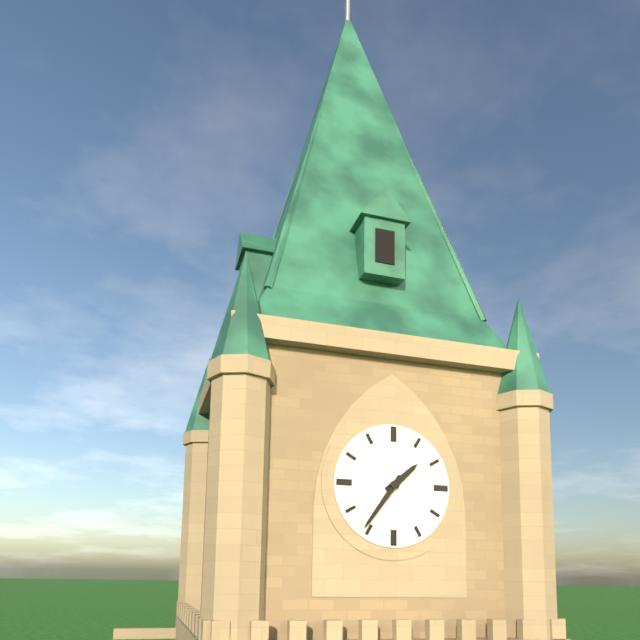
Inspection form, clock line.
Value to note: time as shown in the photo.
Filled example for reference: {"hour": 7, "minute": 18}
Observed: {"hour": 1, "minute": 36}
